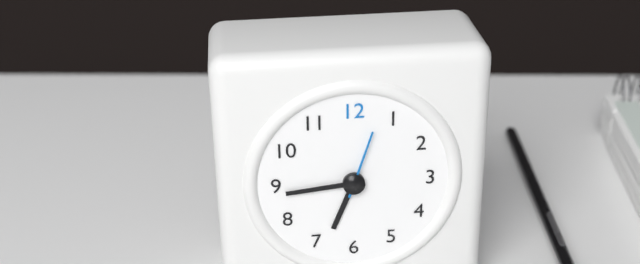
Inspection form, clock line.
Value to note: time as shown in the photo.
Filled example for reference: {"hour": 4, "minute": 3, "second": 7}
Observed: {"hour": 6, "minute": 44, "second": 3}
